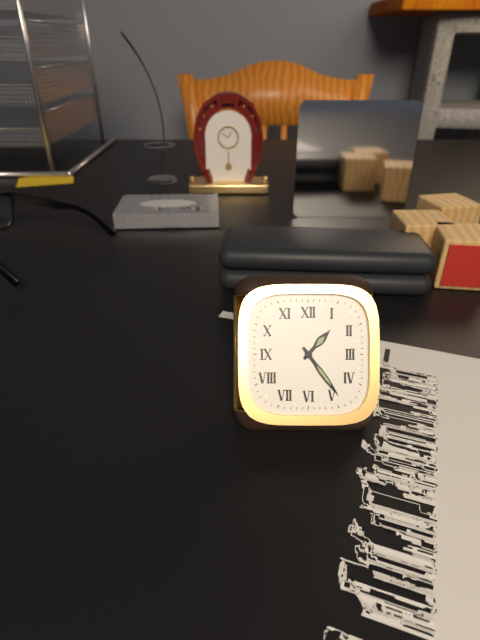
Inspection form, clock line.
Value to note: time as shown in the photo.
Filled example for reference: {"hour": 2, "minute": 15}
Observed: {"hour": 1, "minute": 24}
